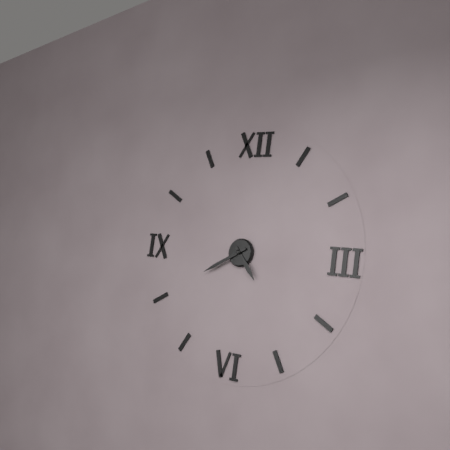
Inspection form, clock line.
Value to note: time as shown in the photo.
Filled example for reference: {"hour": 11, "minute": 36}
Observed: {"hour": 4, "minute": 40}
